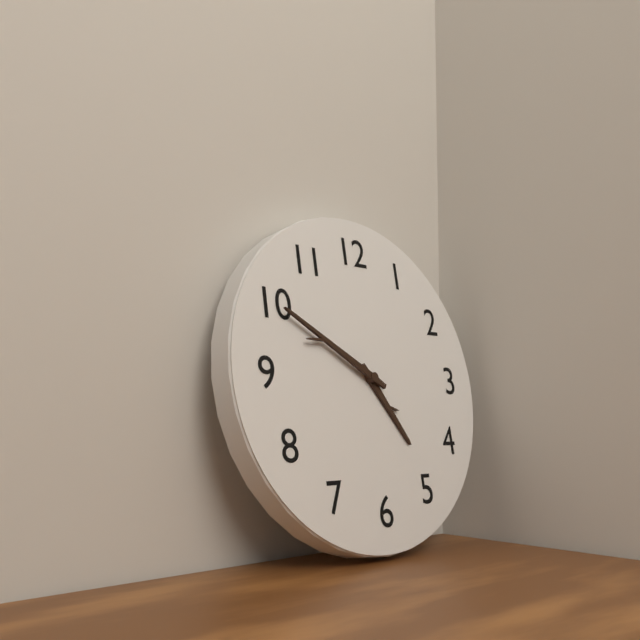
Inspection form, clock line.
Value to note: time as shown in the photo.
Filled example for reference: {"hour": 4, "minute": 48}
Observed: {"hour": 4, "minute": 50}
